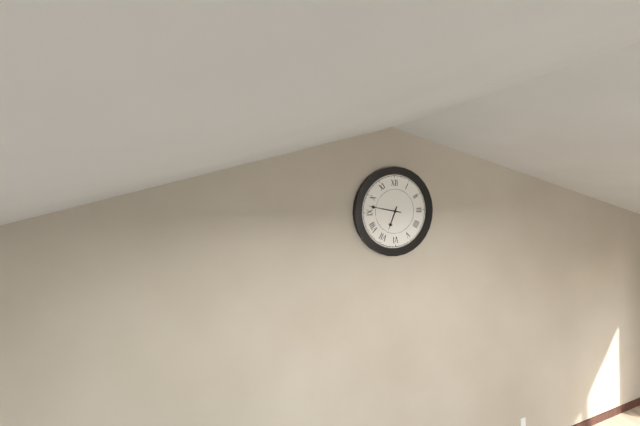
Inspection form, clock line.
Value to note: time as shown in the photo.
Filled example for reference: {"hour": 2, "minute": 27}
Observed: {"hour": 6, "minute": 47}
